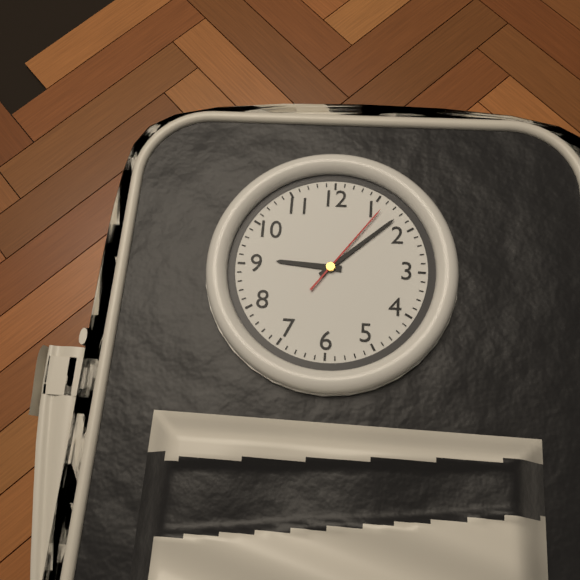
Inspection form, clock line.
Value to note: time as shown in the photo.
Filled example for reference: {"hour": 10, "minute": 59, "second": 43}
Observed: {"hour": 9, "minute": 8, "second": 6}
